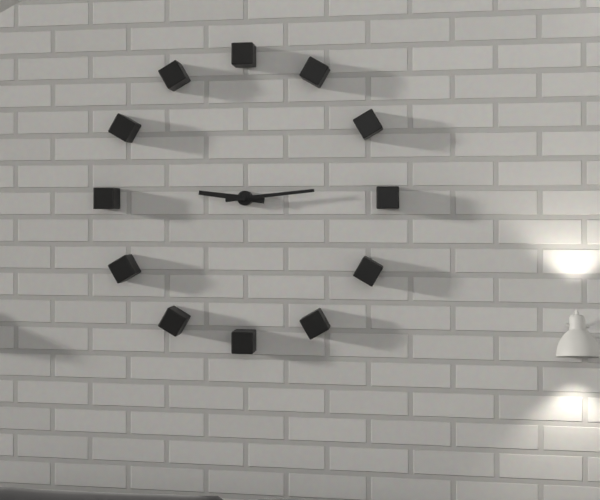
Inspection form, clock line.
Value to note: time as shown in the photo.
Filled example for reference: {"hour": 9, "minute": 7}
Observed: {"hour": 9, "minute": 14}
